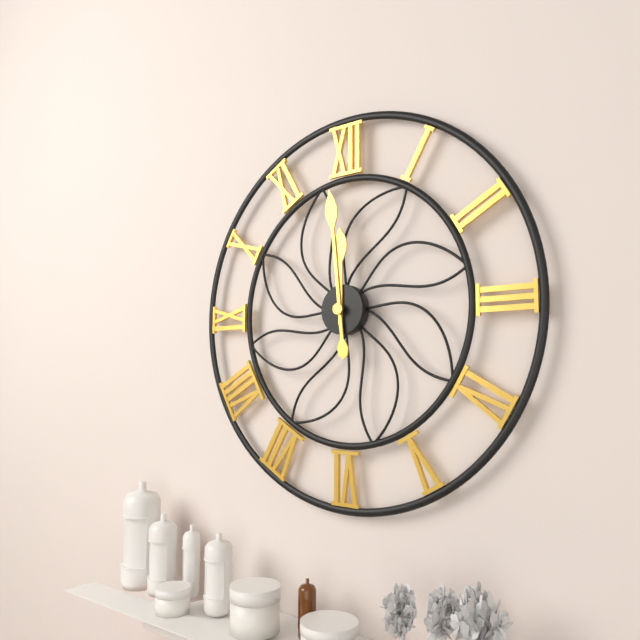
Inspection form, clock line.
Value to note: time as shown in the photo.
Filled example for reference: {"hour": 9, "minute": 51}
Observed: {"hour": 11, "minute": 59}
